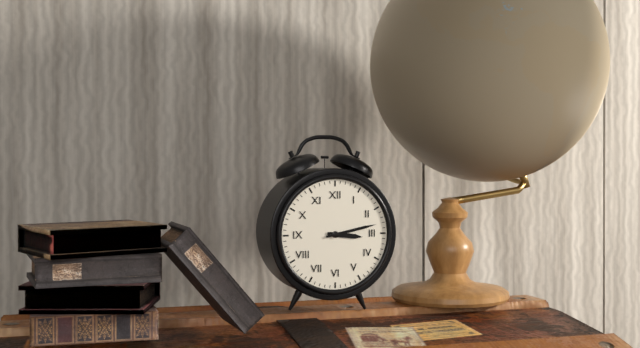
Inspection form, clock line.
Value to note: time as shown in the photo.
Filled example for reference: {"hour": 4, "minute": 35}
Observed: {"hour": 3, "minute": 13}
